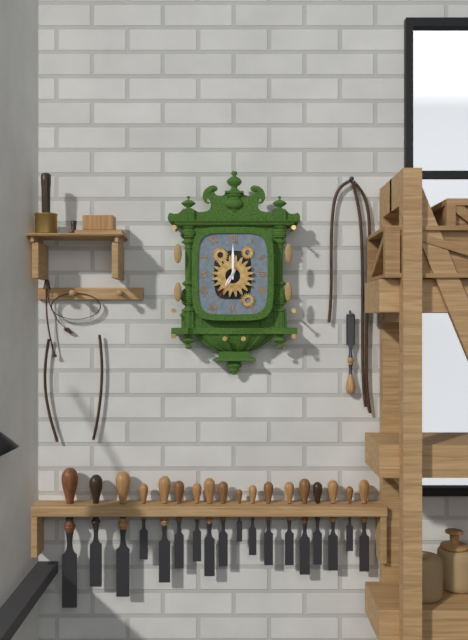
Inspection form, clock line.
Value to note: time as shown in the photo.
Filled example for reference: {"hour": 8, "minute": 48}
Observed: {"hour": 7, "minute": 0}
